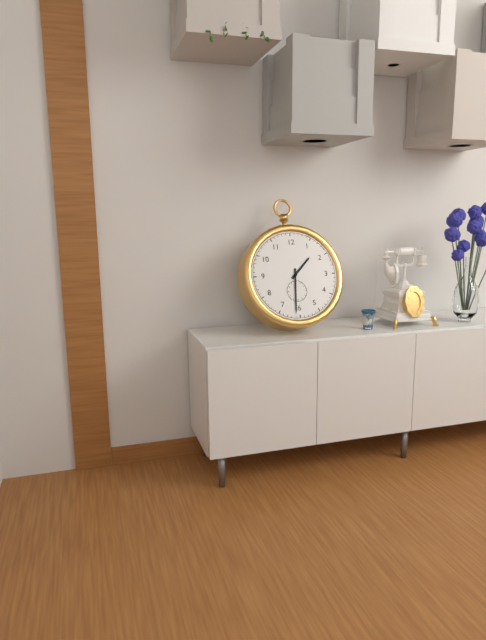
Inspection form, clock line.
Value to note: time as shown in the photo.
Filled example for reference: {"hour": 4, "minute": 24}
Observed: {"hour": 1, "minute": 31}
